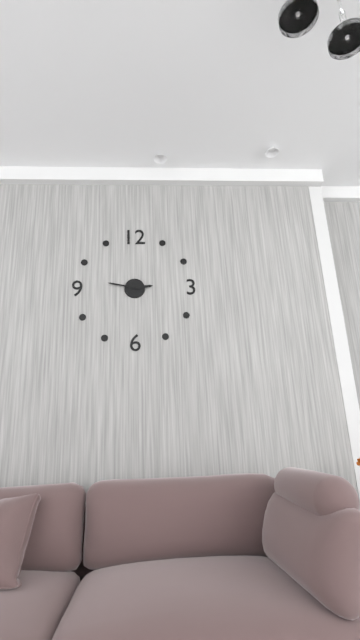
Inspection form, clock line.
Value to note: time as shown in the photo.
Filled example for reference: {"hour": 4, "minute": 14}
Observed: {"hour": 2, "minute": 47}
